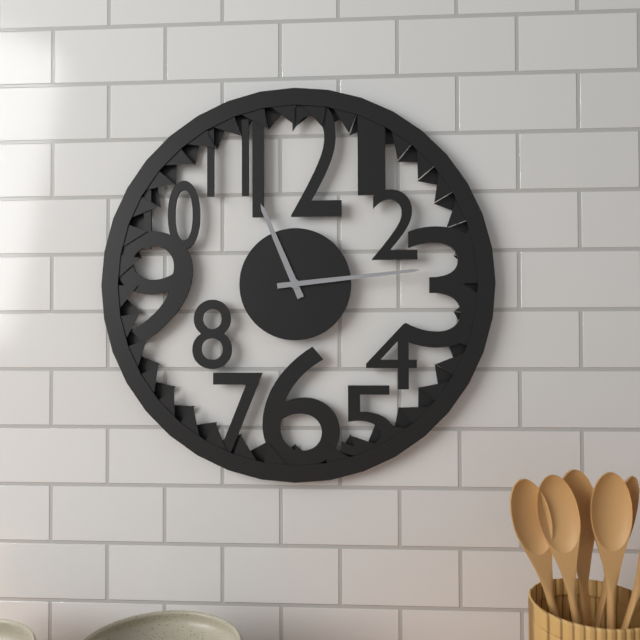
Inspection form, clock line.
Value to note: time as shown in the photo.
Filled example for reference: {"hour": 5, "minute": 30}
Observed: {"hour": 11, "minute": 14}
